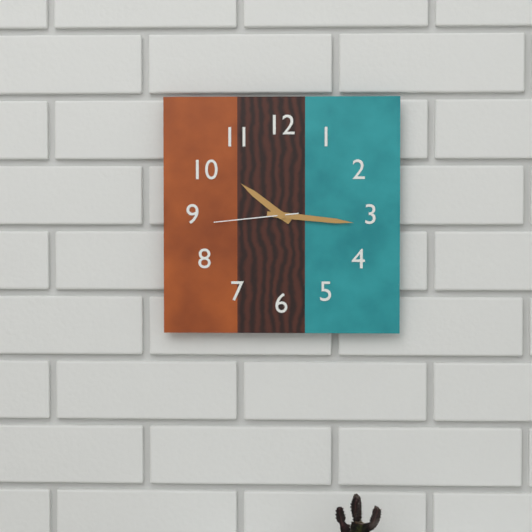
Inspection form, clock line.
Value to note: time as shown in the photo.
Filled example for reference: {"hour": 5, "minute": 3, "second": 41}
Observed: {"hour": 10, "minute": 16, "second": 44}
